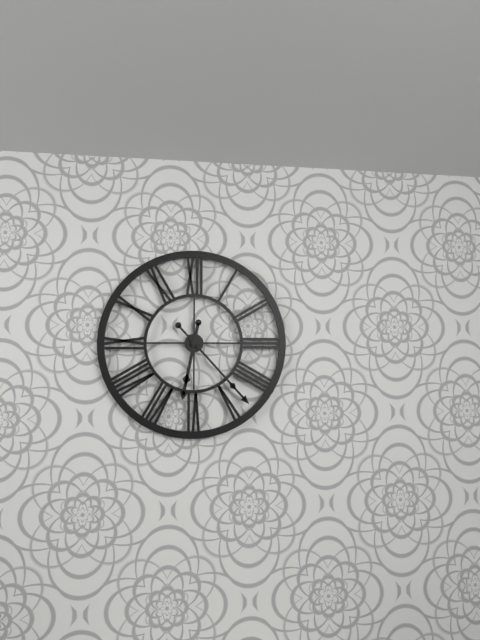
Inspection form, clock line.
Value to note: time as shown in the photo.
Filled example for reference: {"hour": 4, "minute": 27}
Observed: {"hour": 6, "minute": 23}
